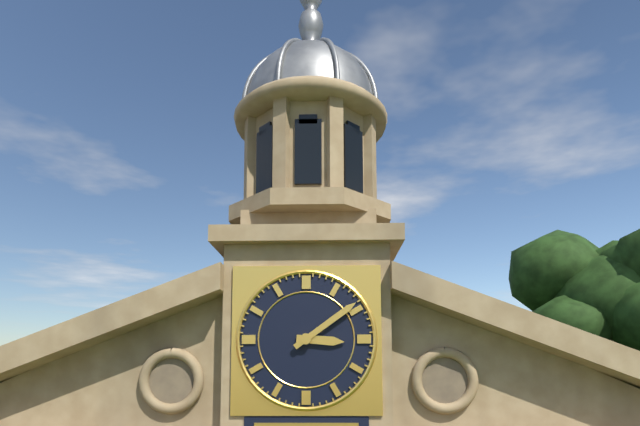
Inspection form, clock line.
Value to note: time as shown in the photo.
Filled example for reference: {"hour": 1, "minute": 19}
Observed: {"hour": 3, "minute": 9}
